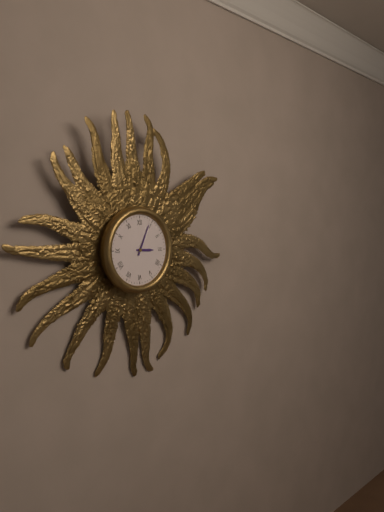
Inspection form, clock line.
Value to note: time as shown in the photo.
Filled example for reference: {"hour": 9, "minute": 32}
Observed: {"hour": 3, "minute": 4}
